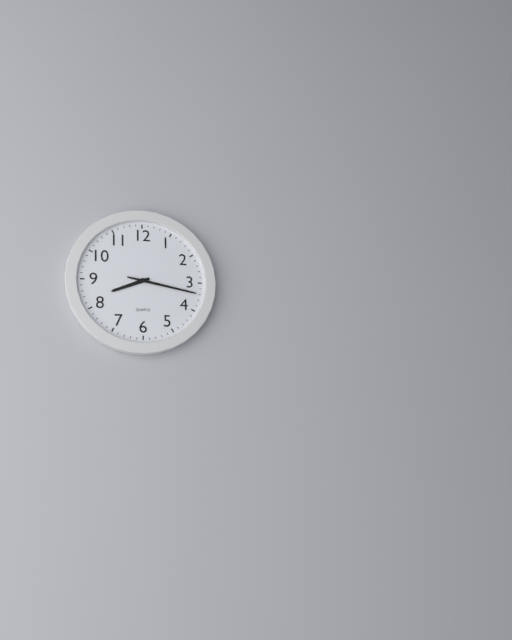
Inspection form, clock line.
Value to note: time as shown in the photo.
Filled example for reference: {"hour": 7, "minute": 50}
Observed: {"hour": 8, "minute": 17}
